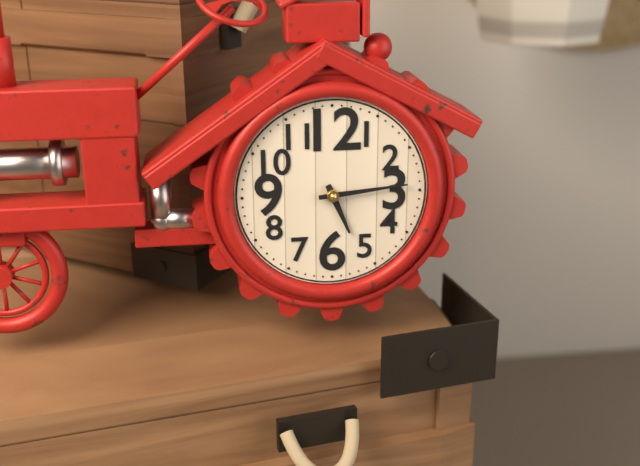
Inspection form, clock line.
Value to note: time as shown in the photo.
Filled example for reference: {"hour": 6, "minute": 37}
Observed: {"hour": 5, "minute": 14}
